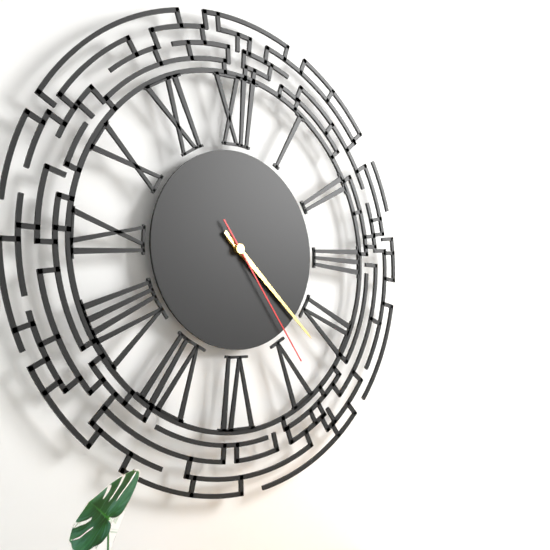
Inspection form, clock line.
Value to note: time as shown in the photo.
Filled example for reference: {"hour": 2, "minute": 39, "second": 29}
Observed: {"hour": 4, "minute": 22, "second": 24}
